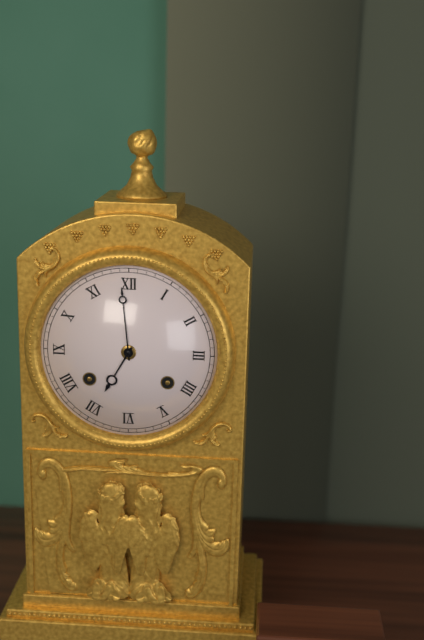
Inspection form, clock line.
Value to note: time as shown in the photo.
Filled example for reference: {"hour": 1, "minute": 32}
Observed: {"hour": 6, "minute": 59}
